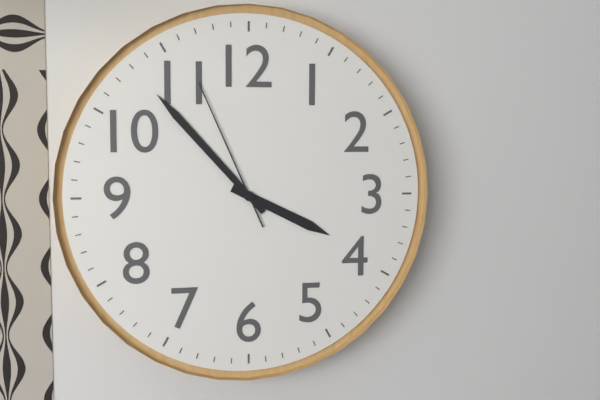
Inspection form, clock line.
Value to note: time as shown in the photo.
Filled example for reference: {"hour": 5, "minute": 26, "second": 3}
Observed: {"hour": 3, "minute": 53, "second": 56}
